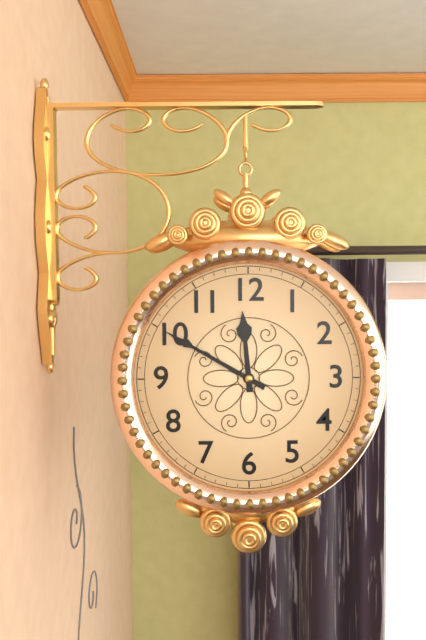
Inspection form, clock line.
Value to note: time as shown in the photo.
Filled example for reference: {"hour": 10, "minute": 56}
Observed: {"hour": 11, "minute": 50}
